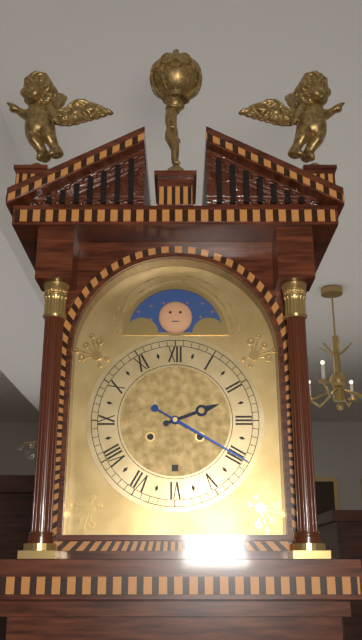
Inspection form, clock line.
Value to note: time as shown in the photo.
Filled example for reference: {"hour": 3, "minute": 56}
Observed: {"hour": 2, "minute": 20}
